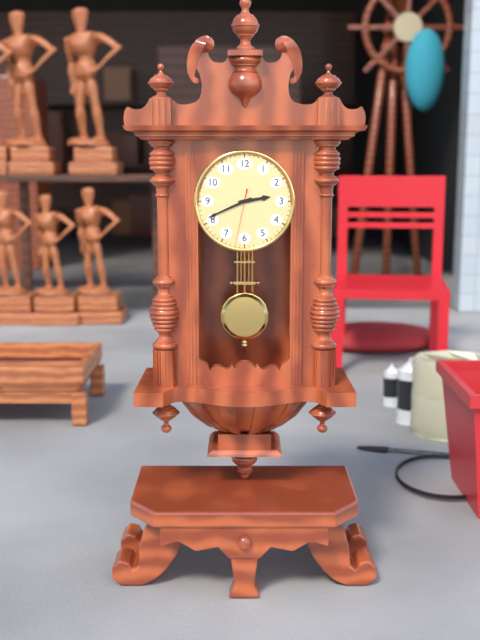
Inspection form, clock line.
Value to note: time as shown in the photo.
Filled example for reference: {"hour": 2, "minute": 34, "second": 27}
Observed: {"hour": 2, "minute": 41, "second": 32}
